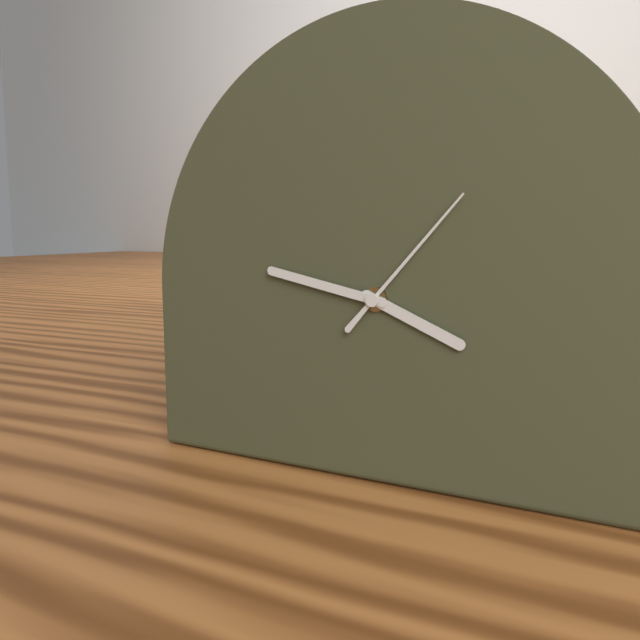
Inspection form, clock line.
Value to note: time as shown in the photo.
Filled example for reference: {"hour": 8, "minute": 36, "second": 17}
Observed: {"hour": 3, "minute": 47, "second": 7}
